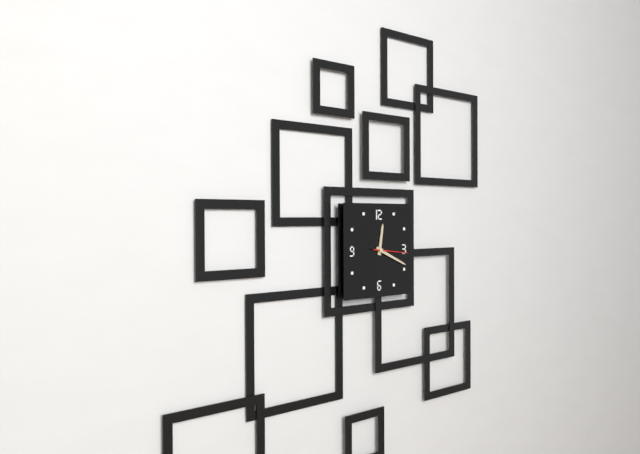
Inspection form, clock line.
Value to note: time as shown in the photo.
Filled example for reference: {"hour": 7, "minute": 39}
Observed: {"hour": 12, "minute": 19}
